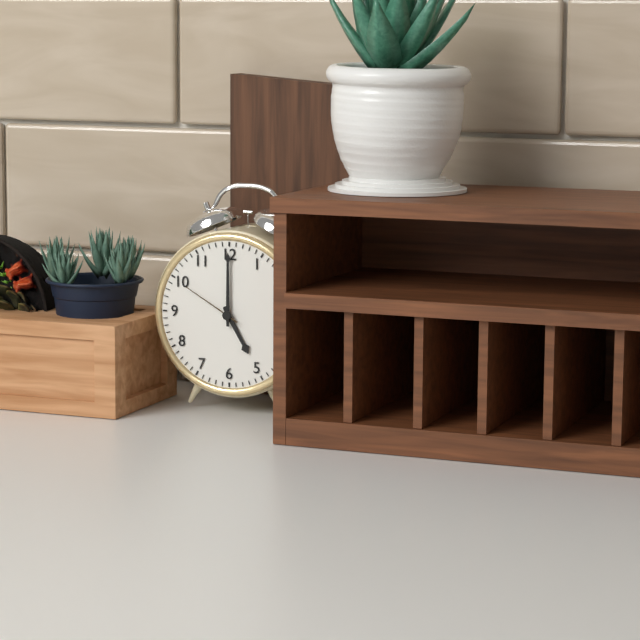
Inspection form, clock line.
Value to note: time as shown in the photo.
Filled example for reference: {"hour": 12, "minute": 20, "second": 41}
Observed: {"hour": 5, "minute": 0, "second": 50}
